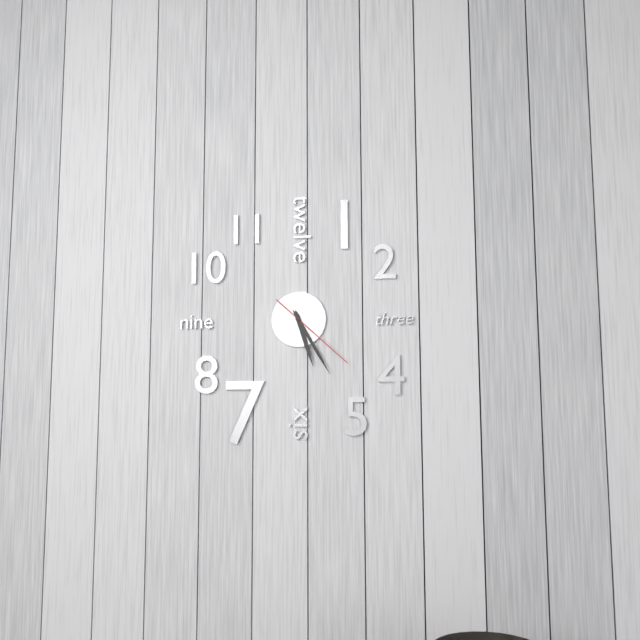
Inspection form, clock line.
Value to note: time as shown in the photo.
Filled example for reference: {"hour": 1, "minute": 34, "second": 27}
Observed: {"hour": 5, "minute": 25, "second": 22}
